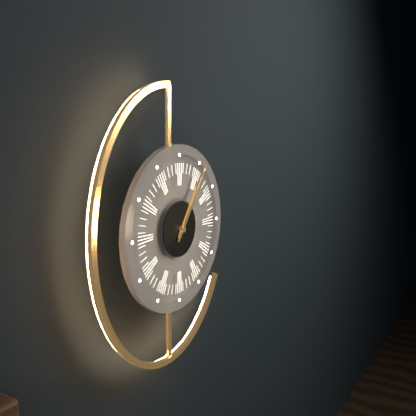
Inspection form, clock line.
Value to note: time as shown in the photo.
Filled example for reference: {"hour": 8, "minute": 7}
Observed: {"hour": 1, "minute": 6}
